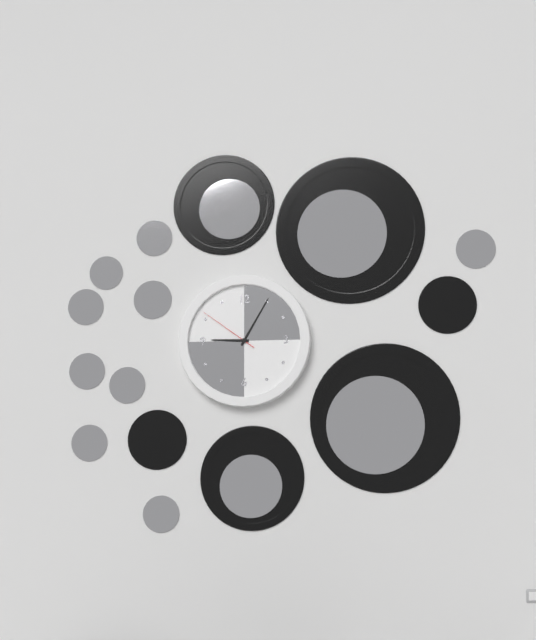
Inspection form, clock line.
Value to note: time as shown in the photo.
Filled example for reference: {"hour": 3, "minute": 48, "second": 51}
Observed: {"hour": 9, "minute": 5, "second": 51}
